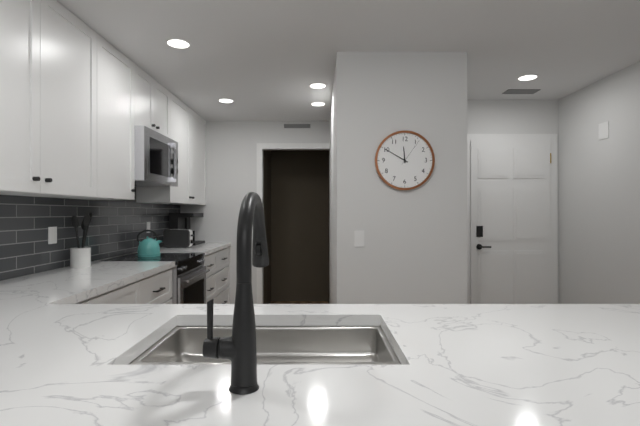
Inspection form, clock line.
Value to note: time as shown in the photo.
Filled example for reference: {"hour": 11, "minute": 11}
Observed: {"hour": 11, "minute": 50}
